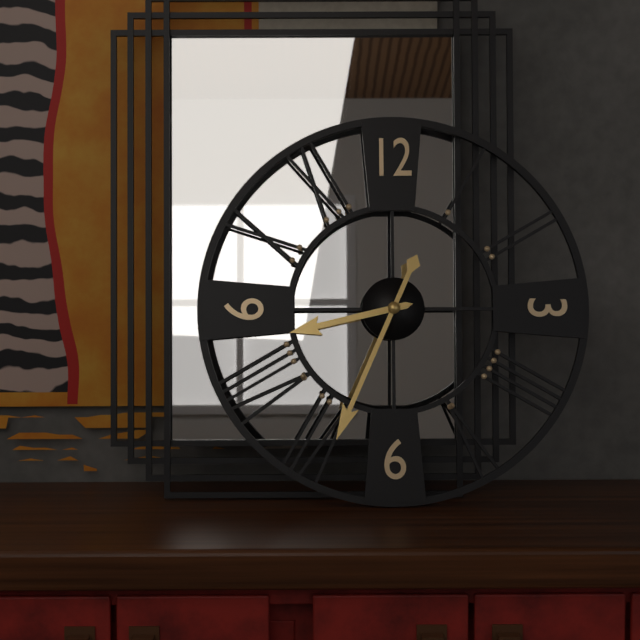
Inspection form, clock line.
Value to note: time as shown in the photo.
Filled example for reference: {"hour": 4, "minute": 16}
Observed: {"hour": 8, "minute": 34}
